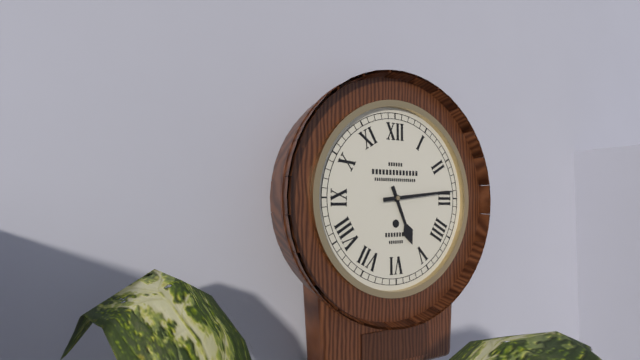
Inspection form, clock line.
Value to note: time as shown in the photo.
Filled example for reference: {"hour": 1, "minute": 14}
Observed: {"hour": 5, "minute": 14}
